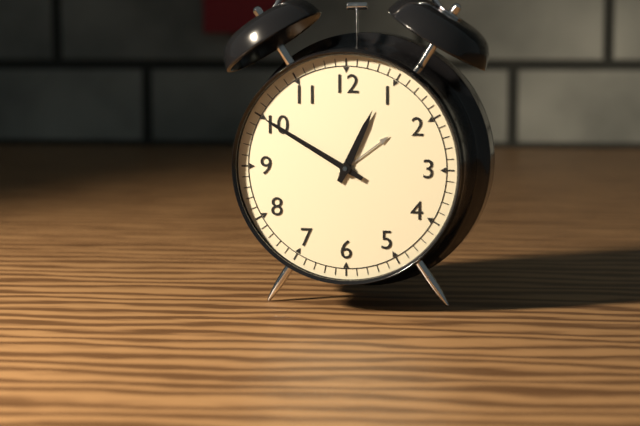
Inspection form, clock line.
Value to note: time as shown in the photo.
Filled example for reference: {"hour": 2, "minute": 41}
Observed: {"hour": 12, "minute": 50}
